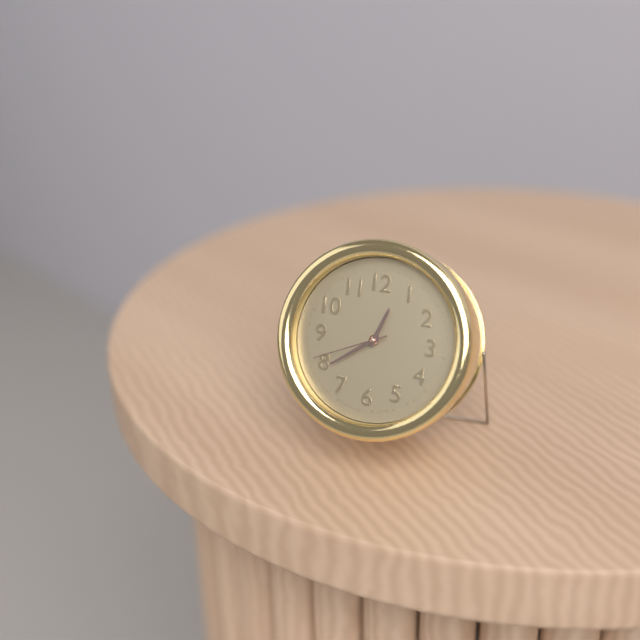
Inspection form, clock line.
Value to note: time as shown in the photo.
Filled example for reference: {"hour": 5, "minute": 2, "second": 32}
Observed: {"hour": 12, "minute": 39, "second": 41}
